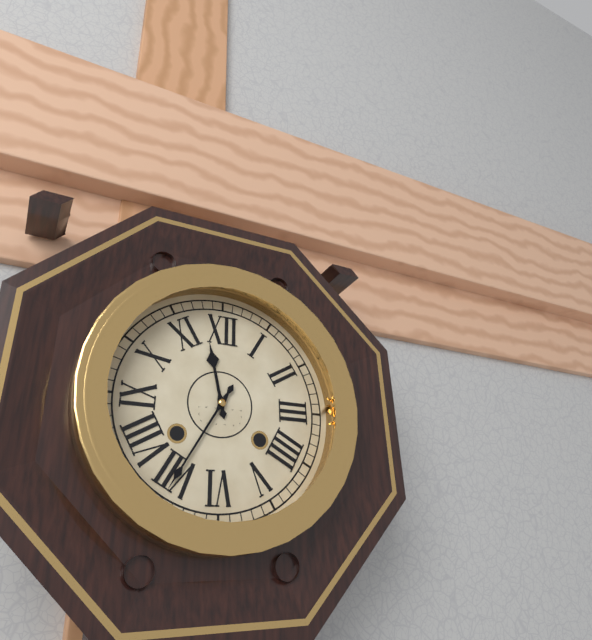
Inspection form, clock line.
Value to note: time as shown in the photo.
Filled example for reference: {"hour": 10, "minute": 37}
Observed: {"hour": 11, "minute": 35}
